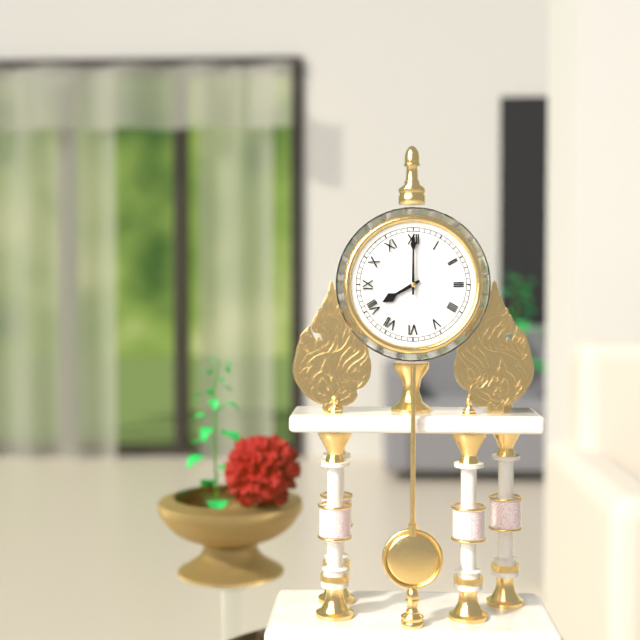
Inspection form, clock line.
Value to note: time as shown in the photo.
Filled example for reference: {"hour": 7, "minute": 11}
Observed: {"hour": 8, "minute": 0}
